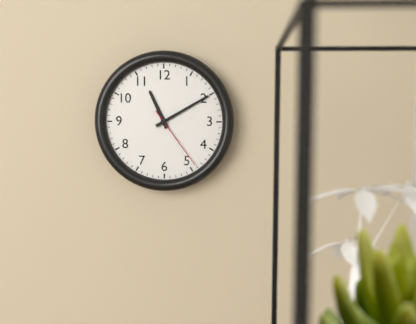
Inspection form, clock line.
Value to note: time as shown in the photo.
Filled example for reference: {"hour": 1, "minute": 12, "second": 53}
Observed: {"hour": 11, "minute": 10, "second": 24}
